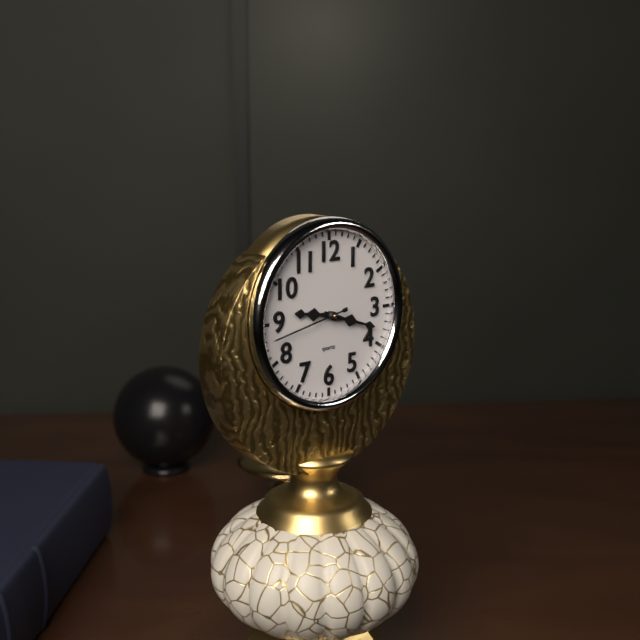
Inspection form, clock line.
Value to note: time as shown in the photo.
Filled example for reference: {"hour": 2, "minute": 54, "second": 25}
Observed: {"hour": 9, "minute": 18, "second": 43}
